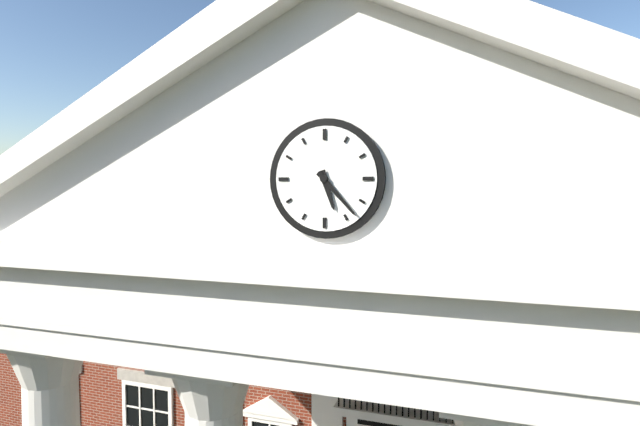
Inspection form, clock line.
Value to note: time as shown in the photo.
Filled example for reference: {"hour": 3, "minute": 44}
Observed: {"hour": 5, "minute": 23}
